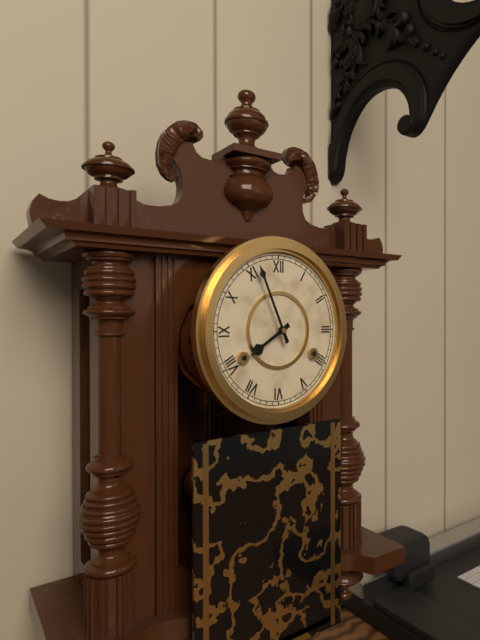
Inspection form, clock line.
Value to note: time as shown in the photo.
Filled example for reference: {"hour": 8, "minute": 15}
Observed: {"hour": 7, "minute": 56}
